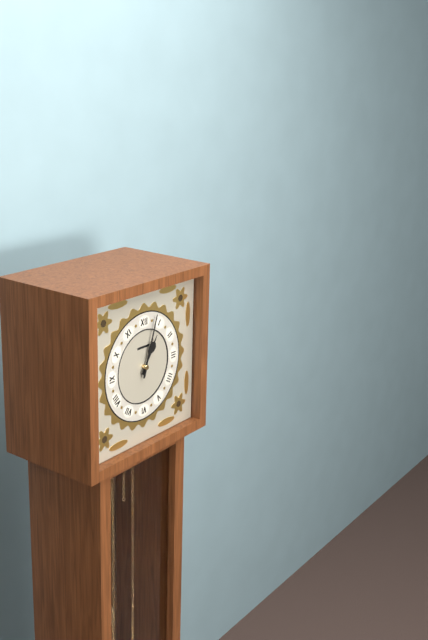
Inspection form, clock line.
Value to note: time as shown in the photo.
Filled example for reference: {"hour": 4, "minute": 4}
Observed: {"hour": 1, "minute": 3}
